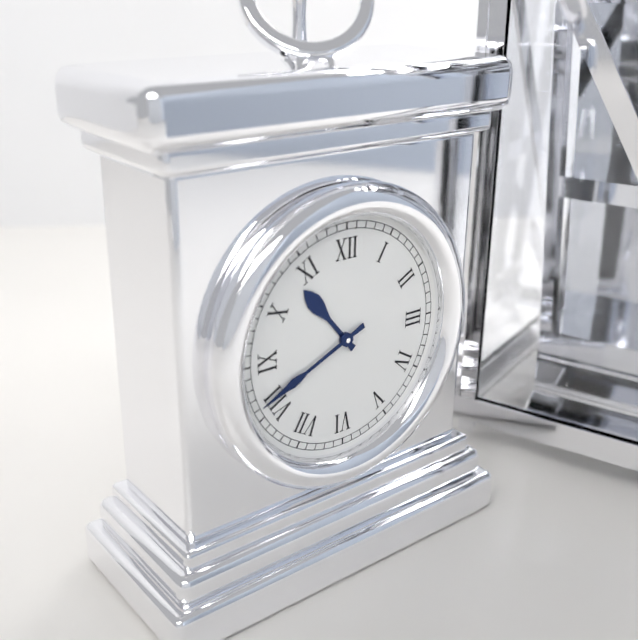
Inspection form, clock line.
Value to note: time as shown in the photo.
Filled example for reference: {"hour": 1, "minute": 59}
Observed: {"hour": 10, "minute": 41}
